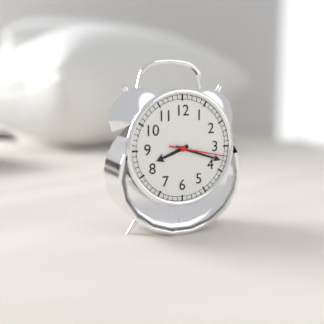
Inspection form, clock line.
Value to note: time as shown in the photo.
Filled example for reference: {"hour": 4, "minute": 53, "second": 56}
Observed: {"hour": 8, "minute": 18, "second": 17}
